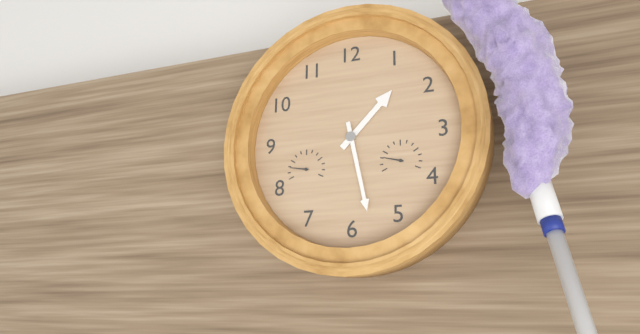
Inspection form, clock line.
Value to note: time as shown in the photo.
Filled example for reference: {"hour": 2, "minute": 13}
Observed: {"hour": 1, "minute": 28}
